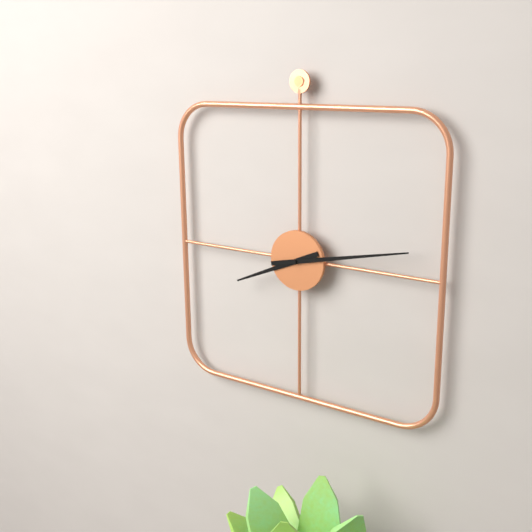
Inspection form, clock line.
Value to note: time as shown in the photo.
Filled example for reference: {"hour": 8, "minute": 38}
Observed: {"hour": 8, "minute": 13}
